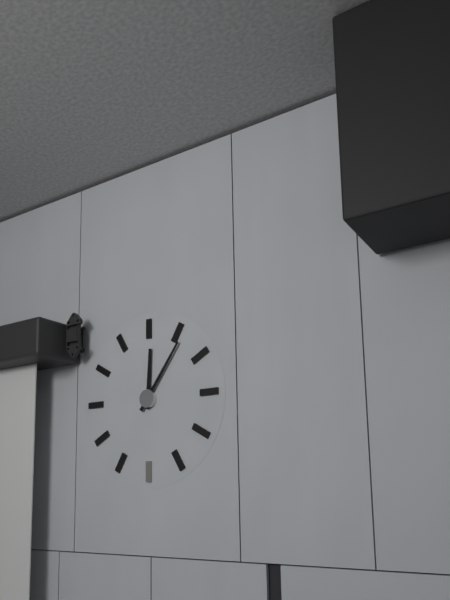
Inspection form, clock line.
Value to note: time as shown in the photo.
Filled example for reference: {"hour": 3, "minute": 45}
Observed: {"hour": 12, "minute": 6}
